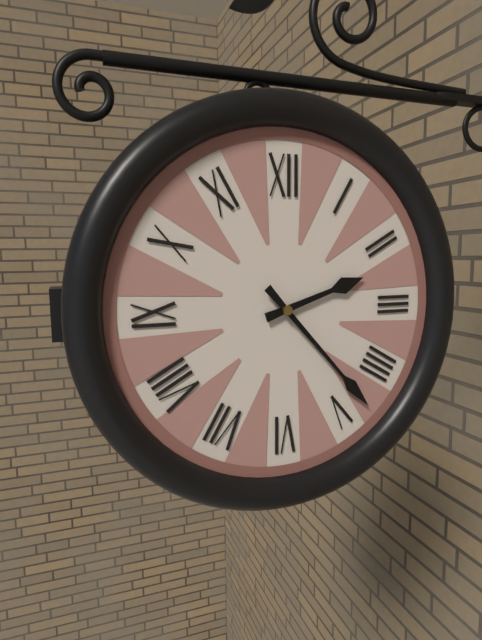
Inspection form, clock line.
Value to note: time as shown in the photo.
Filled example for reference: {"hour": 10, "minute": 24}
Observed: {"hour": 2, "minute": 23}
